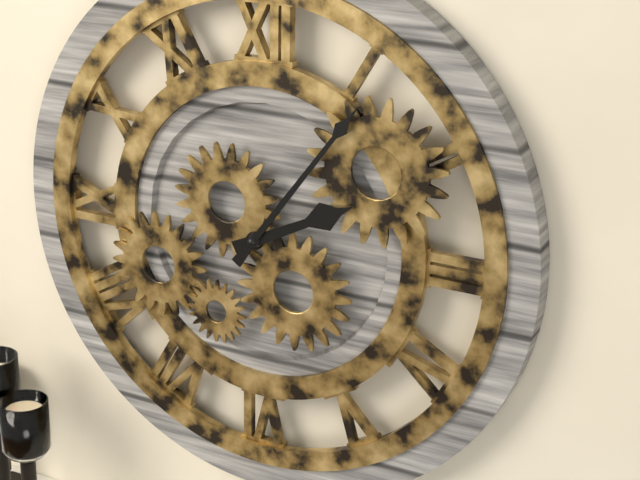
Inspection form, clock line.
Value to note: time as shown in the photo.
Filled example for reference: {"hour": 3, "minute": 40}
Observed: {"hour": 2, "minute": 6}
